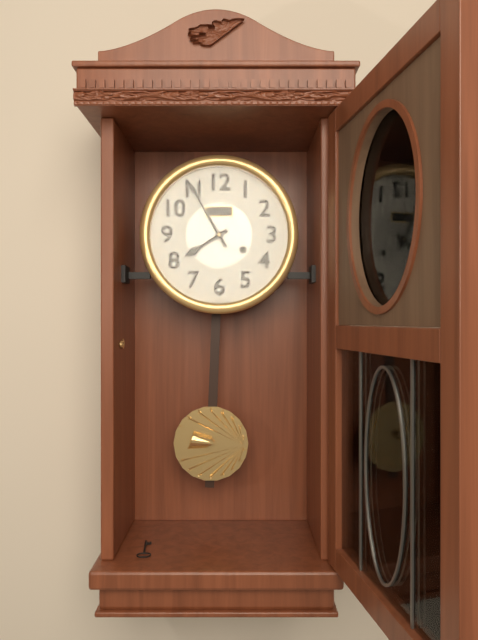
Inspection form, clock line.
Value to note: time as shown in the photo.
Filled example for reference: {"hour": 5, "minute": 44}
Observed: {"hour": 7, "minute": 55}
